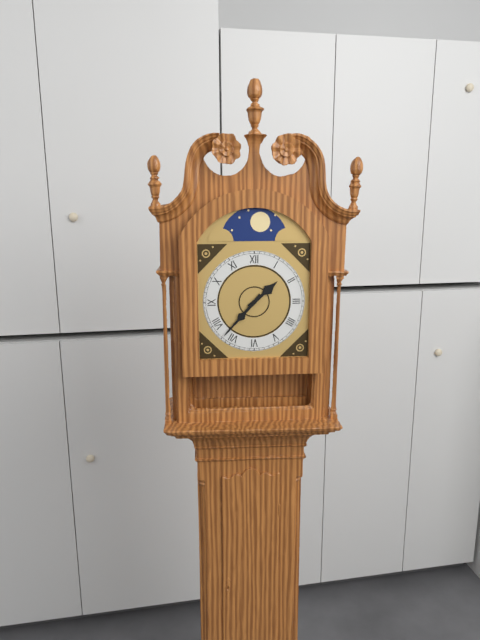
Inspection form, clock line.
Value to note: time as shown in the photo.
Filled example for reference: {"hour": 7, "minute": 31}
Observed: {"hour": 1, "minute": 37}
